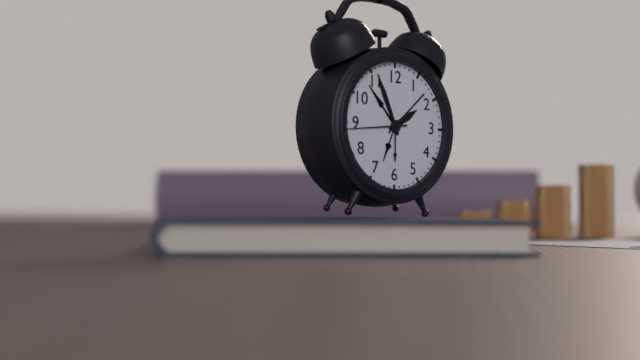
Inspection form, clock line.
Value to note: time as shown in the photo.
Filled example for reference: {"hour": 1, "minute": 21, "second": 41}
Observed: {"hour": 1, "minute": 56, "second": 44}
